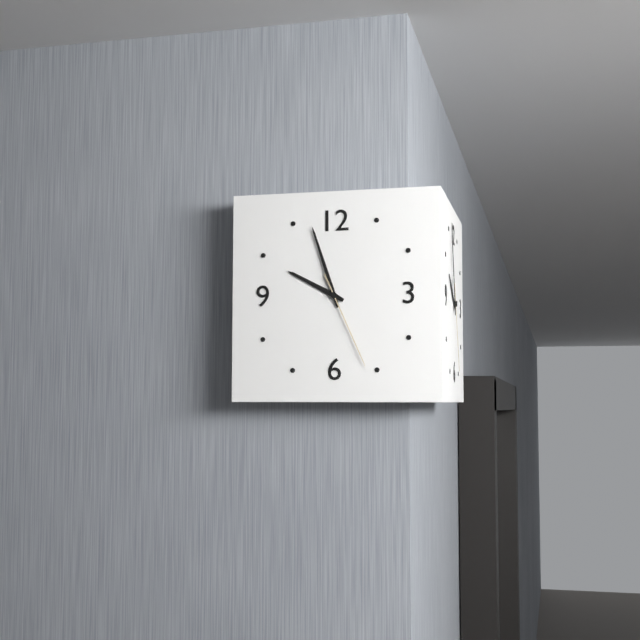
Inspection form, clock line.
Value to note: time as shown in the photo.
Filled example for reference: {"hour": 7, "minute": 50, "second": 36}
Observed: {"hour": 9, "minute": 57, "second": 26}
